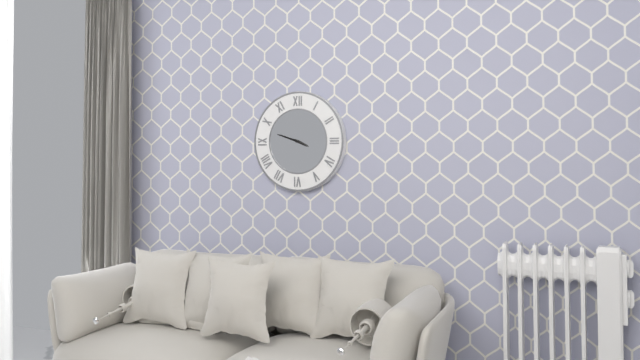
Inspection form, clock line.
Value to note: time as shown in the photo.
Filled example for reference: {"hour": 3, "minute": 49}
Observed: {"hour": 3, "minute": 48}
